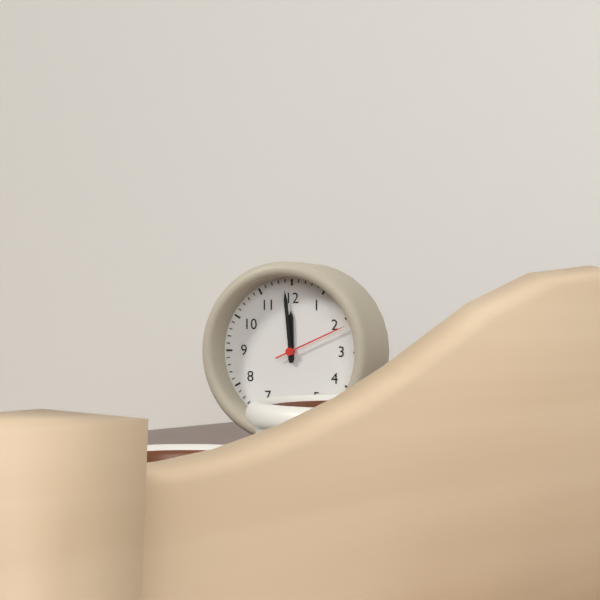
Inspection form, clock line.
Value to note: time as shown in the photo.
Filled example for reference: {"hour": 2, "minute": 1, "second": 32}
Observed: {"hour": 11, "minute": 59, "second": 11}
